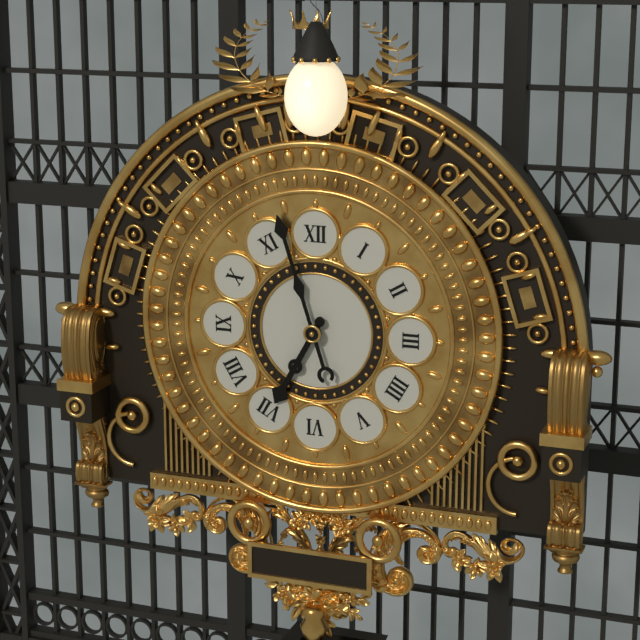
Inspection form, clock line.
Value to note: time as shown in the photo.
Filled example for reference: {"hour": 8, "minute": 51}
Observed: {"hour": 6, "minute": 57}
